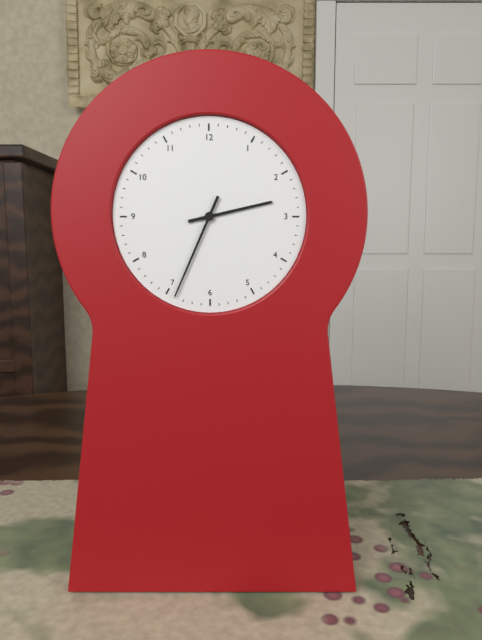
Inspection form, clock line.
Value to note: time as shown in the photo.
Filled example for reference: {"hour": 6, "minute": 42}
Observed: {"hour": 2, "minute": 34}
